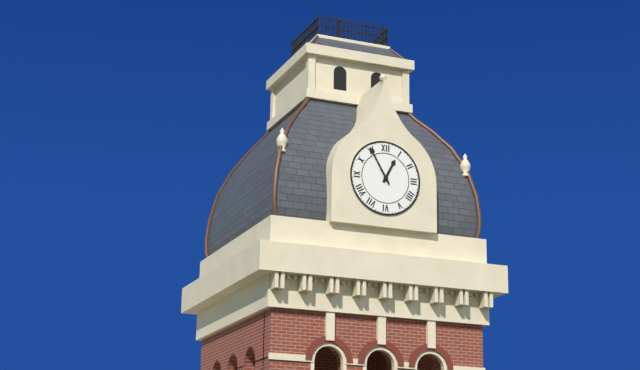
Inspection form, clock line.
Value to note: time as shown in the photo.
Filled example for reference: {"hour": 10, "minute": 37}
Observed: {"hour": 12, "minute": 55}
